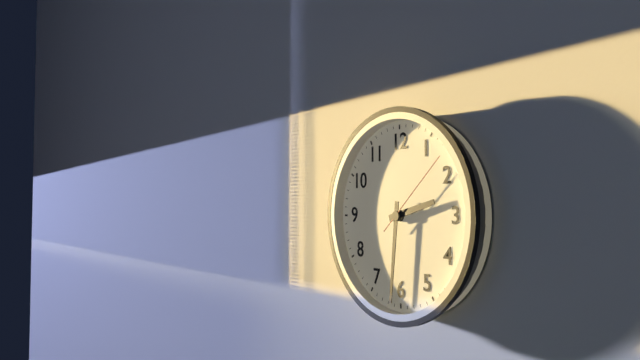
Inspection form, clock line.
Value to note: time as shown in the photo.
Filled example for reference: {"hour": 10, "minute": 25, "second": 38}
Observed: {"hour": 2, "minute": 31, "second": 8}
